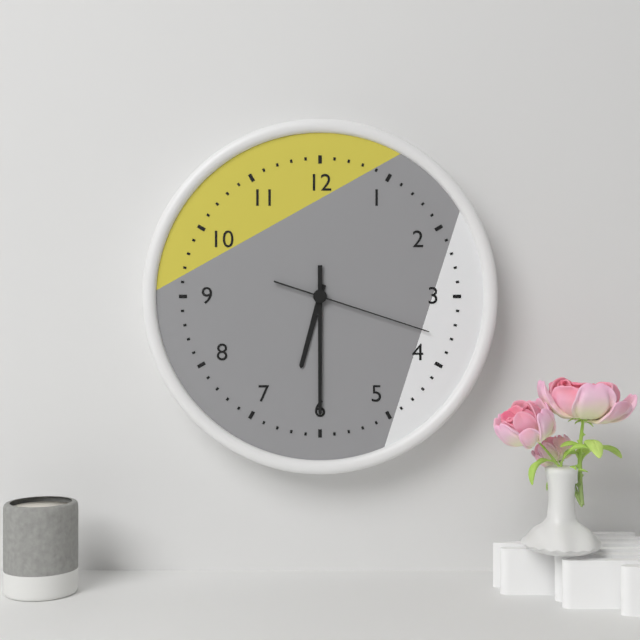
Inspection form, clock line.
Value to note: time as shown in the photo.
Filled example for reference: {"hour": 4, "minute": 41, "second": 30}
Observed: {"hour": 6, "minute": 30, "second": 18}
